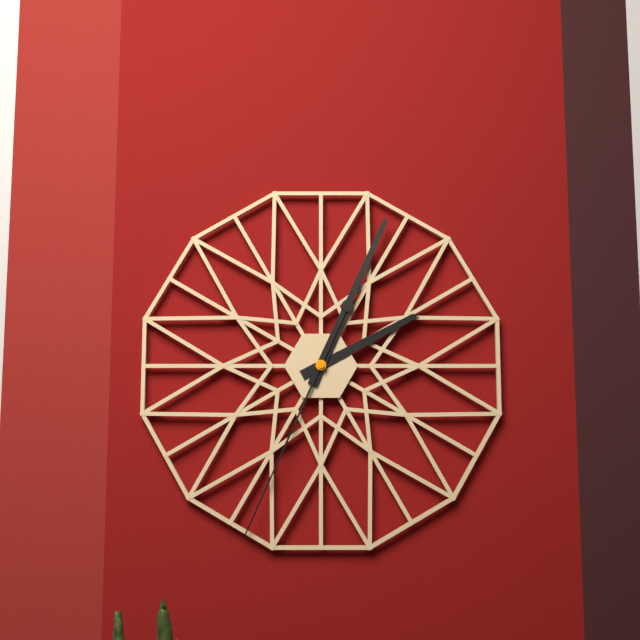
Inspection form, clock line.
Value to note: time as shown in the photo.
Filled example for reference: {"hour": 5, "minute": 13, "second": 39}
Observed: {"hour": 2, "minute": 4, "second": 34}
